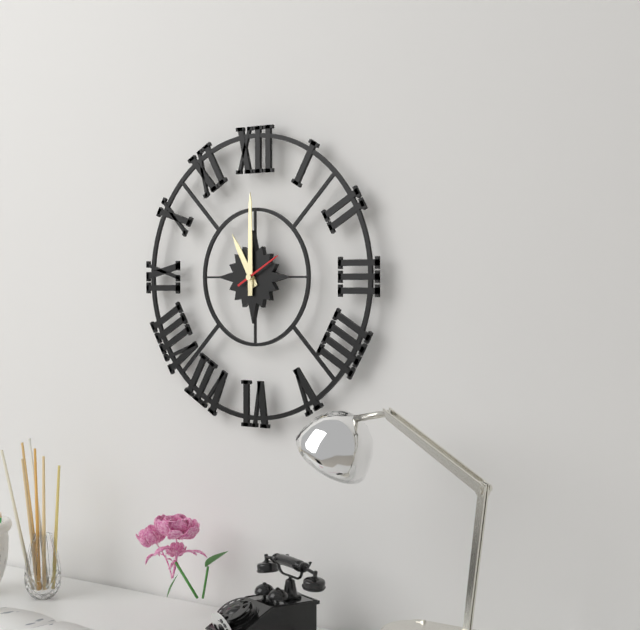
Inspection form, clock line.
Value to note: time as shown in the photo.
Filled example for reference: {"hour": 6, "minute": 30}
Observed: {"hour": 11, "minute": 0}
